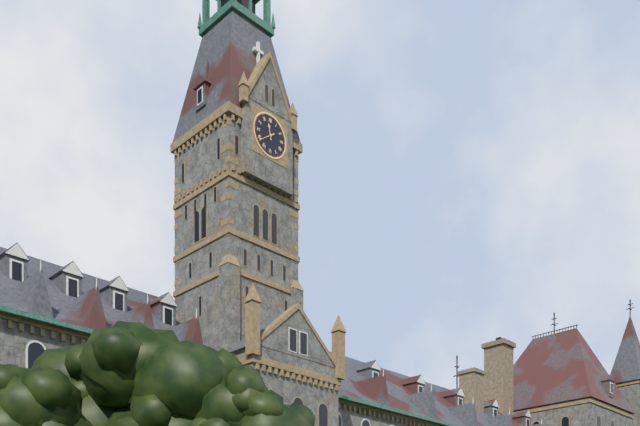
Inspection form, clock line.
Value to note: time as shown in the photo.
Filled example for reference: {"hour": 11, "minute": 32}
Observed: {"hour": 11, "minute": 39}
